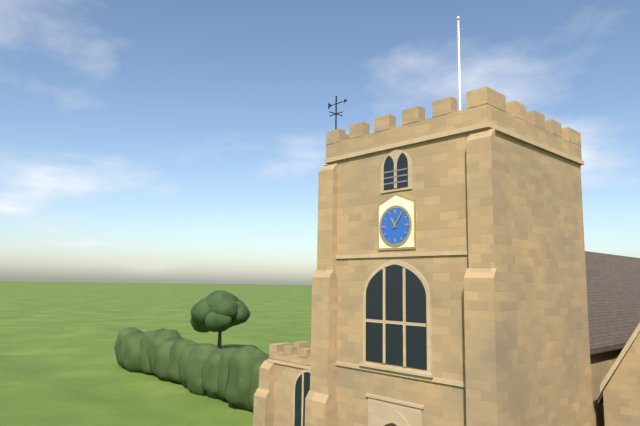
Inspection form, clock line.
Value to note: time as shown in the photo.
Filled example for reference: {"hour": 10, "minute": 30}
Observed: {"hour": 11, "minute": 6}
